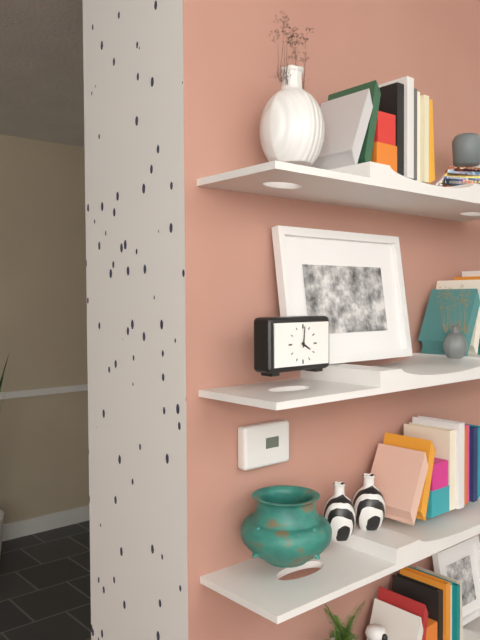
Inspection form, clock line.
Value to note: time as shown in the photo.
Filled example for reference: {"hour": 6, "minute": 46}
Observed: {"hour": 4, "minute": 1}
